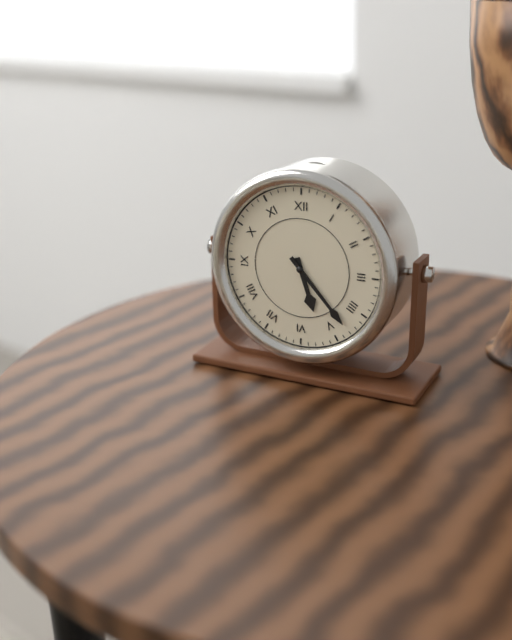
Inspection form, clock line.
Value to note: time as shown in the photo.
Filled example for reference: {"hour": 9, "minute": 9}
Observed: {"hour": 5, "minute": 23}
